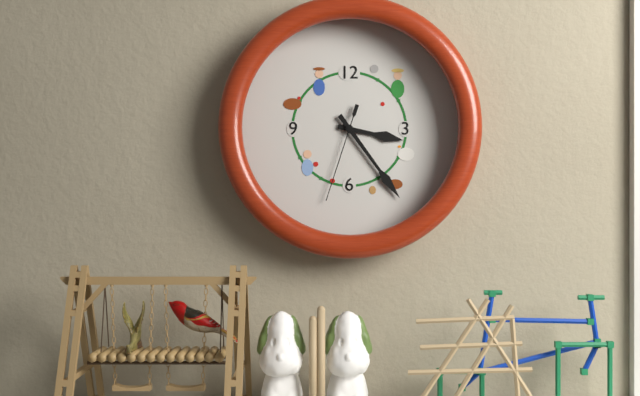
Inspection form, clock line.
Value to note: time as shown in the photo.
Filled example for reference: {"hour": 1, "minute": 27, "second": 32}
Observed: {"hour": 3, "minute": 24, "second": 33}
